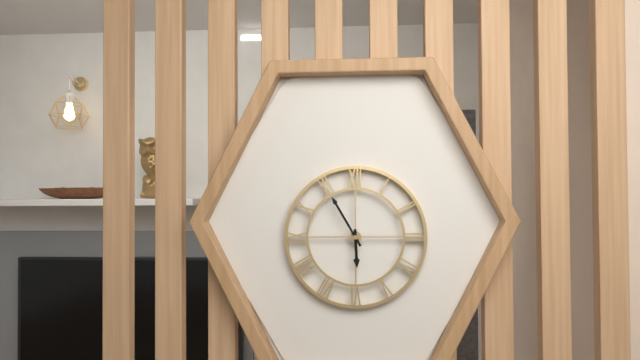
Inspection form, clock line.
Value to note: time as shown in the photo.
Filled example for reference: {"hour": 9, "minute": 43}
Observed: {"hour": 5, "minute": 55}
